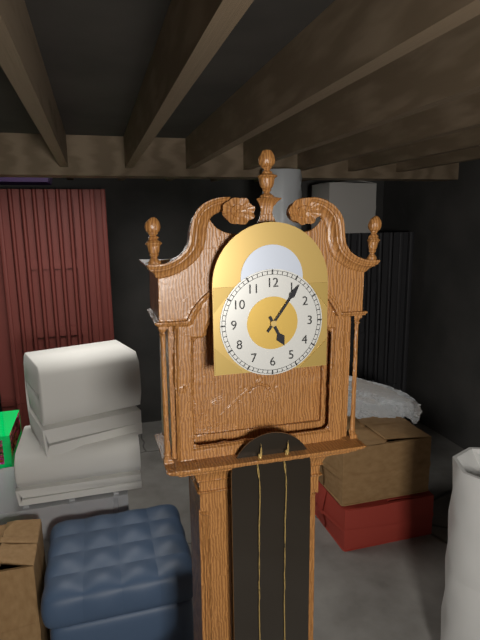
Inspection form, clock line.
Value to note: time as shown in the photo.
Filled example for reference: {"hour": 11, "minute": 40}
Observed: {"hour": 5, "minute": 6}
